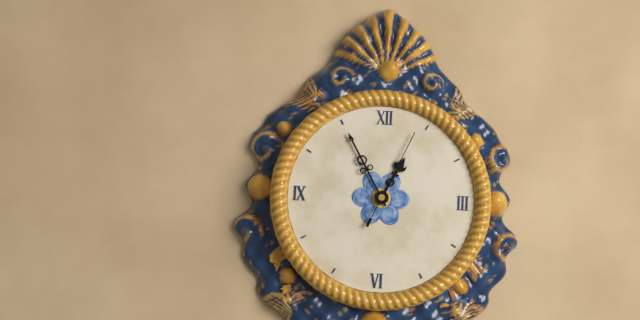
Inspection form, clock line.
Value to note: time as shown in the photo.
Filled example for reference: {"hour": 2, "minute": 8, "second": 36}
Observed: {"hour": 12, "minute": 55, "second": 4}
